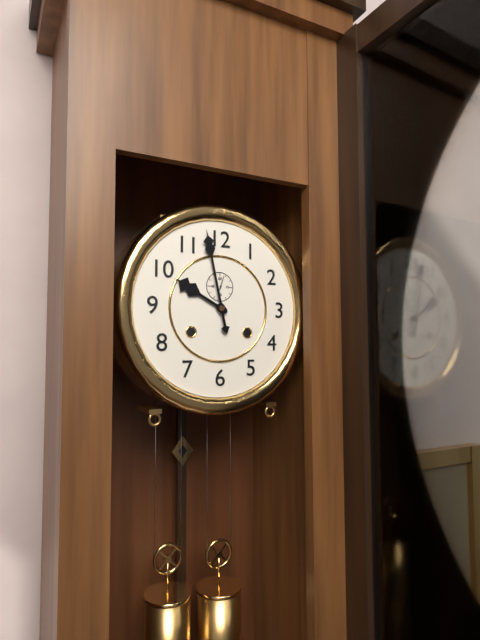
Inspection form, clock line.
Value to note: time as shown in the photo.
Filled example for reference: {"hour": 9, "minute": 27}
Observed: {"hour": 9, "minute": 58}
